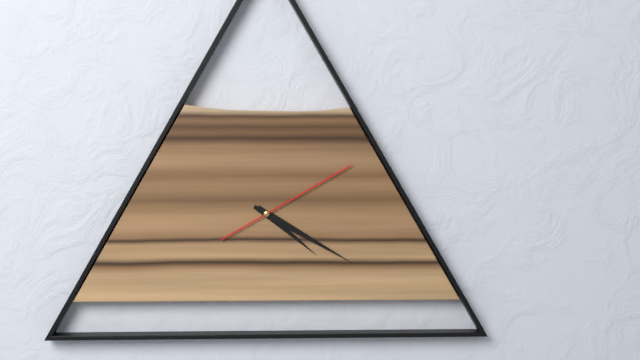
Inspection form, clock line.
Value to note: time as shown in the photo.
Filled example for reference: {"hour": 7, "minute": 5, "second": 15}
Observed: {"hour": 4, "minute": 20, "second": 10}
